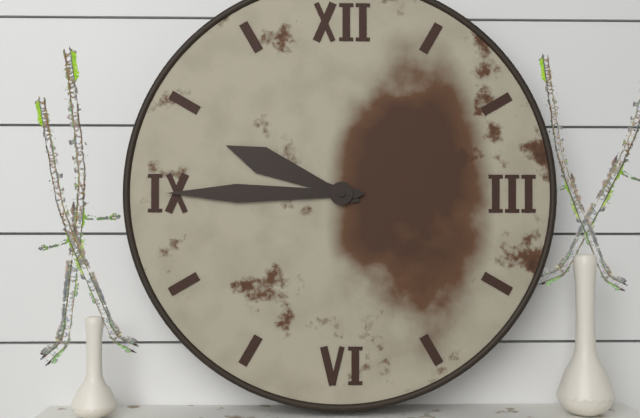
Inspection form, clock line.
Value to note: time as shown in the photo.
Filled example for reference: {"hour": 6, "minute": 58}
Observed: {"hour": 9, "minute": 45}
